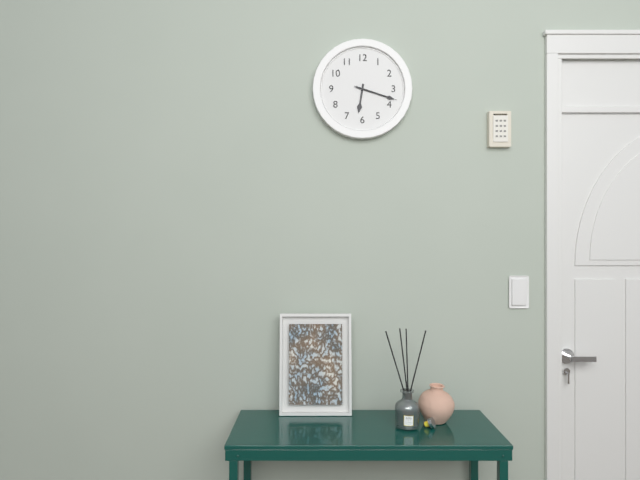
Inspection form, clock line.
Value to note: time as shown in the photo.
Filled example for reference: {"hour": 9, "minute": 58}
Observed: {"hour": 6, "minute": 18}
